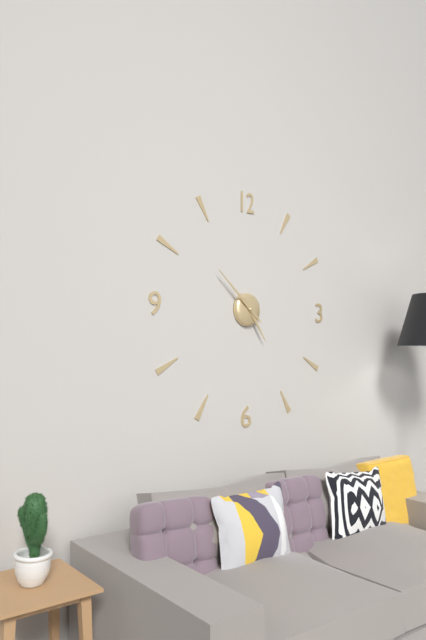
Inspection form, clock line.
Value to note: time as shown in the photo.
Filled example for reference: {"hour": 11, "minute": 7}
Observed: {"hour": 4, "minute": 52}
